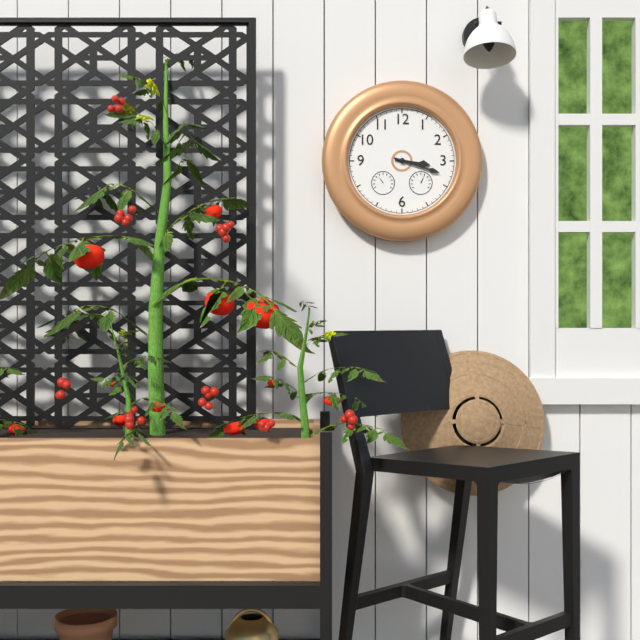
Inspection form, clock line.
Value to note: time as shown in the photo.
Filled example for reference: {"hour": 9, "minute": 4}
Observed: {"hour": 3, "minute": 18}
